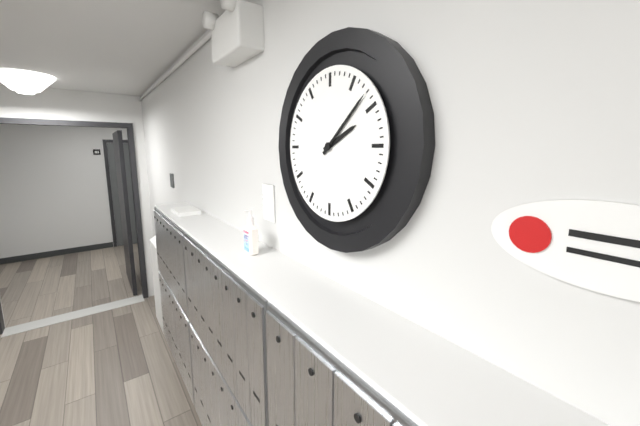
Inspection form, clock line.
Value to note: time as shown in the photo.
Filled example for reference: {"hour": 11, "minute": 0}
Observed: {"hour": 2, "minute": 8}
